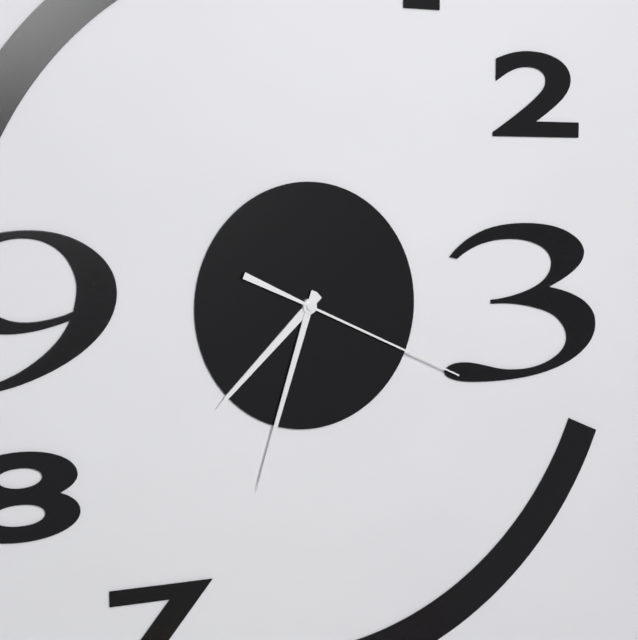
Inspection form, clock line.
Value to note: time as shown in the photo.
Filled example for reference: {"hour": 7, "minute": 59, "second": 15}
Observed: {"hour": 7, "minute": 33, "second": 19}
